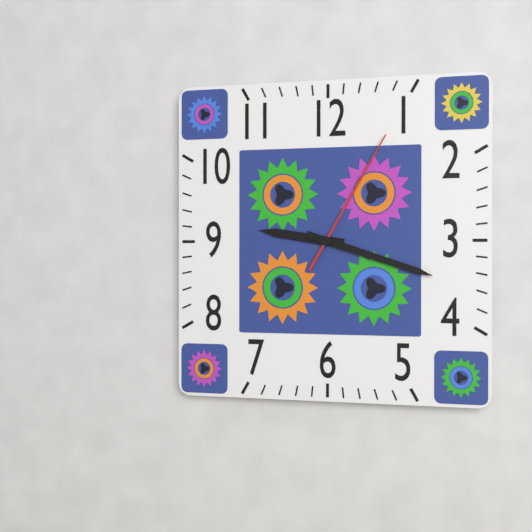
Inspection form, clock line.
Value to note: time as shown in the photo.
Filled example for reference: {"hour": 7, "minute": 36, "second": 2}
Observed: {"hour": 9, "minute": 18, "second": 5}
